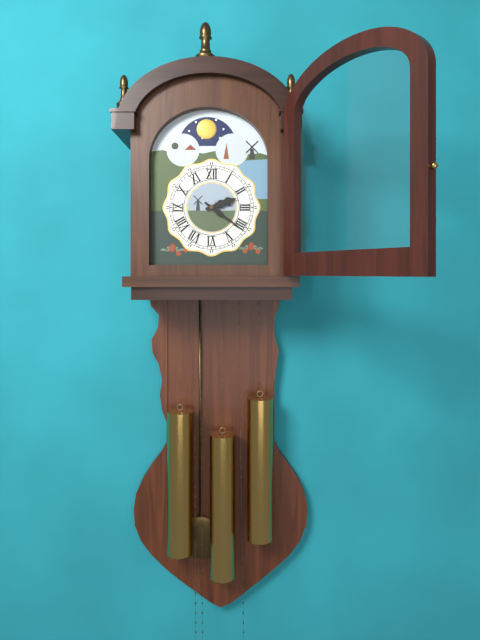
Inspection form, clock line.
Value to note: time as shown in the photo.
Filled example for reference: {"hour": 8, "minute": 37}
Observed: {"hour": 2, "minute": 21}
